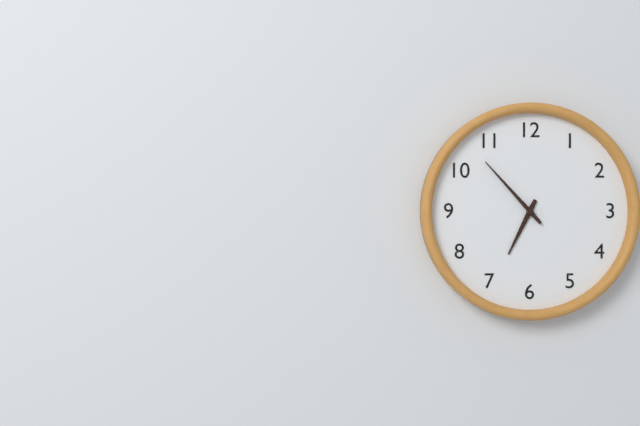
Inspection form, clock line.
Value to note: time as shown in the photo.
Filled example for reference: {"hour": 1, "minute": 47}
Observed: {"hour": 6, "minute": 53}
